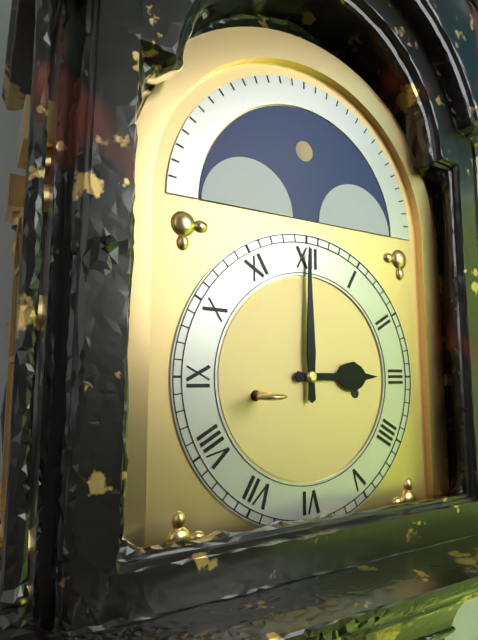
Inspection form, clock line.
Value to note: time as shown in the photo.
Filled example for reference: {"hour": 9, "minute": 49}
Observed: {"hour": 3, "minute": 0}
